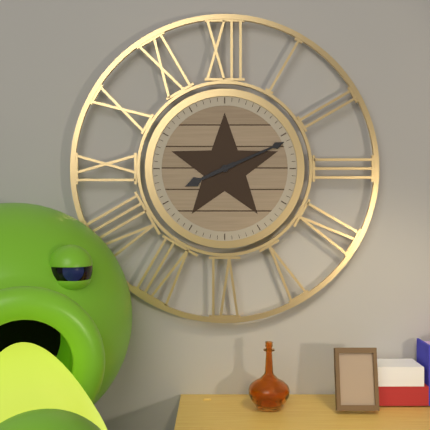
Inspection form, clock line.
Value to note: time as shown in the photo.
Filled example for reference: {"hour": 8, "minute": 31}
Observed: {"hour": 8, "minute": 11}
